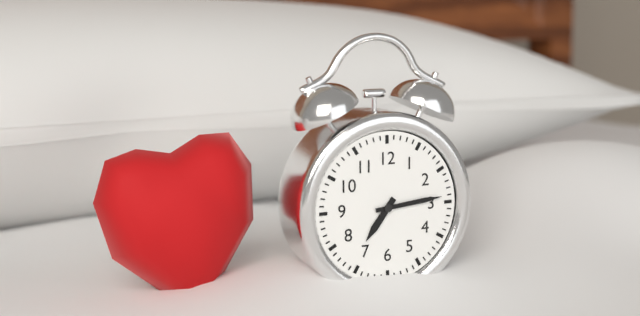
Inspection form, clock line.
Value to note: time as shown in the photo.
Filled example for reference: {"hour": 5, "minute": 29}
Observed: {"hour": 7, "minute": 14}
